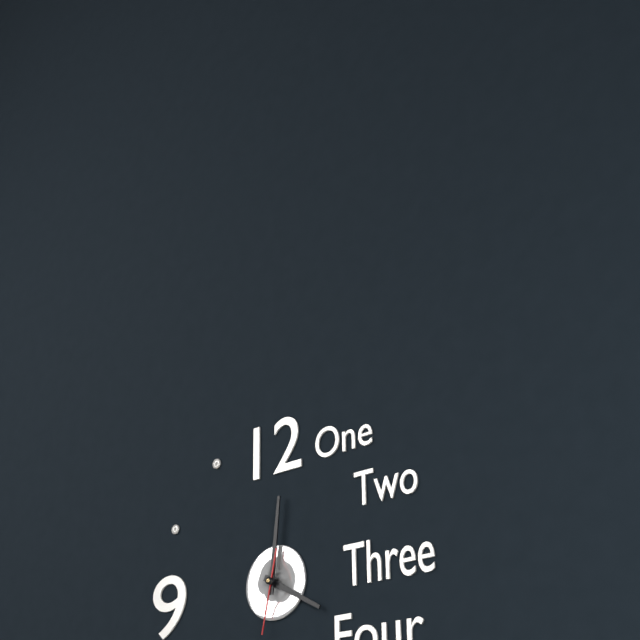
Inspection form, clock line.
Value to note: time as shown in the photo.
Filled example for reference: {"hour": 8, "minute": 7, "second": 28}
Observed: {"hour": 4, "minute": 1, "second": 32}
